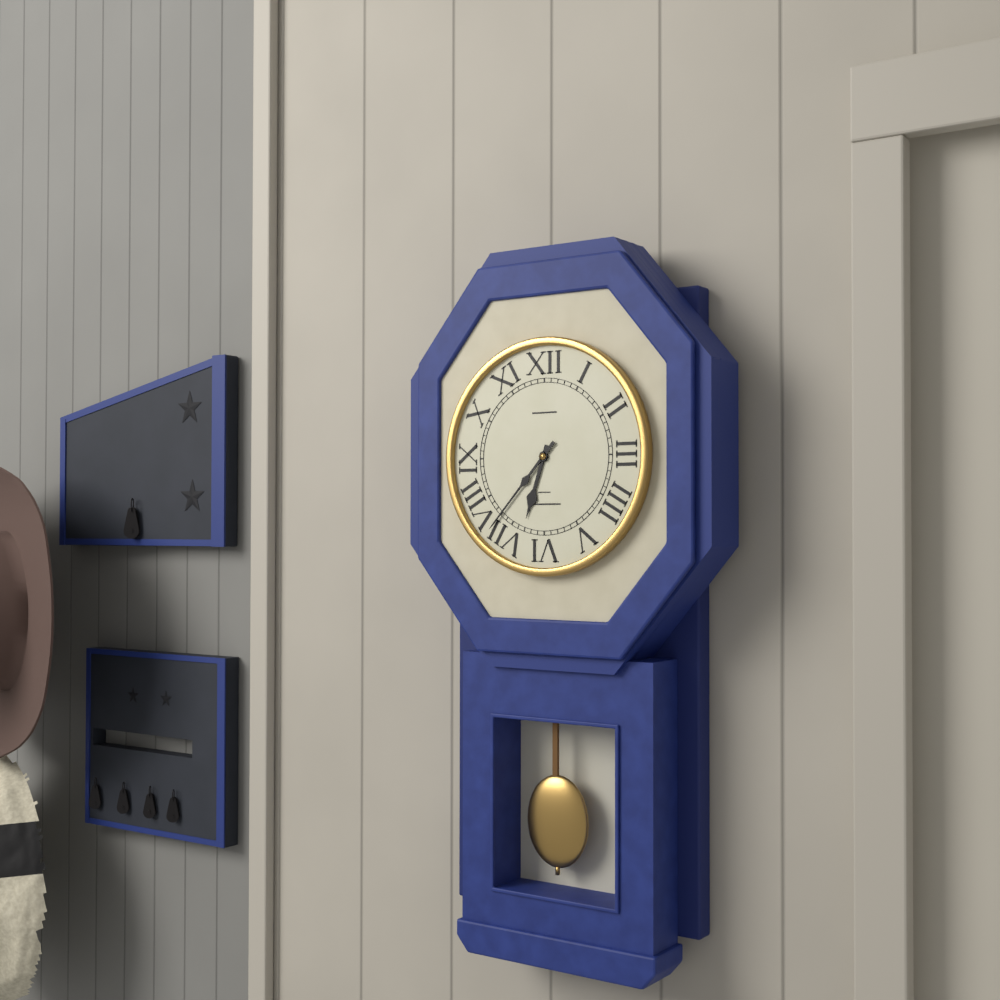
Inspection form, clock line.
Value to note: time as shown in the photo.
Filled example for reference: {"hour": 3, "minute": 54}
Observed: {"hour": 6, "minute": 37}
